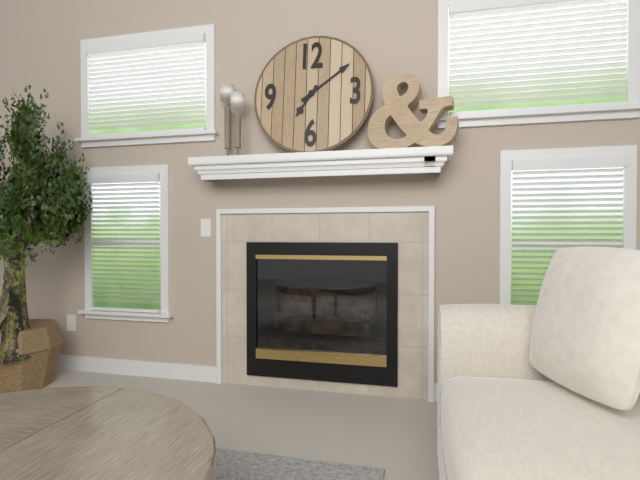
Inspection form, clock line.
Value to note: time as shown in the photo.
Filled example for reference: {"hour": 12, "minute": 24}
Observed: {"hour": 7, "minute": 9}
